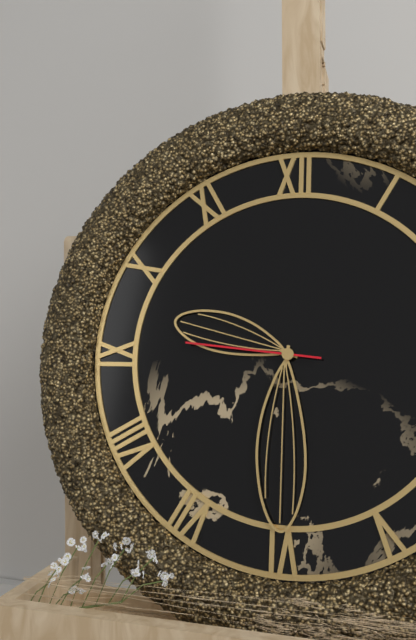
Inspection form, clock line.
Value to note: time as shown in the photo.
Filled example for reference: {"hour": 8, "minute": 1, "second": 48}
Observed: {"hour": 9, "minute": 30, "second": 46}
